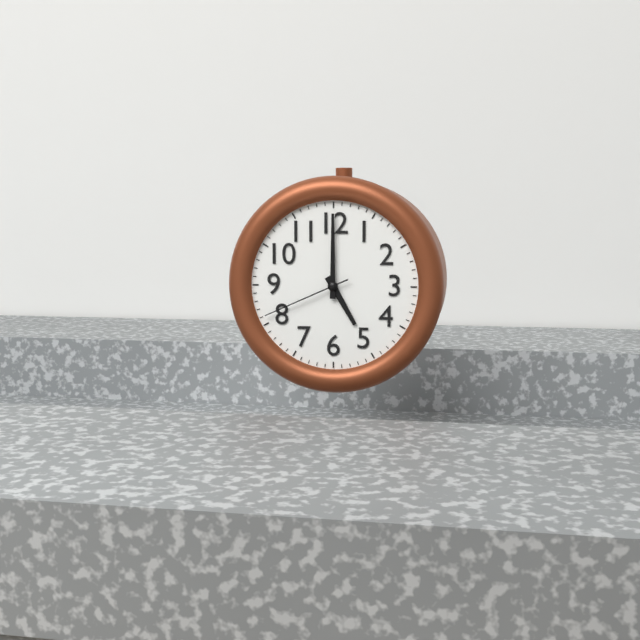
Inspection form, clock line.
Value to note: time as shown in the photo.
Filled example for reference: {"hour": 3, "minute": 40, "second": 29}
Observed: {"hour": 5, "minute": 0, "second": 41}
